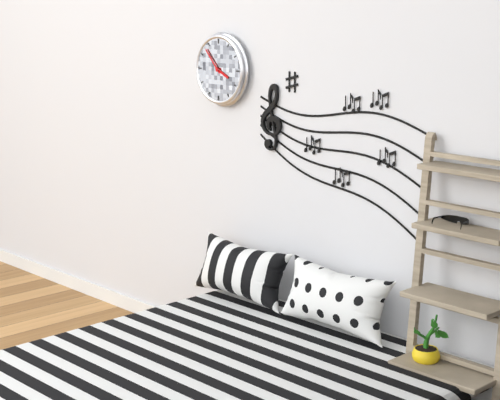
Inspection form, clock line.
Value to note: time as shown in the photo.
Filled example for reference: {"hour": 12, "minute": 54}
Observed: {"hour": 3, "minute": 53}
